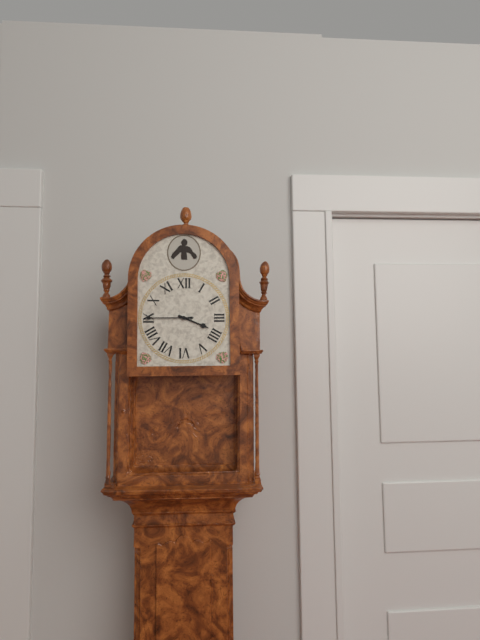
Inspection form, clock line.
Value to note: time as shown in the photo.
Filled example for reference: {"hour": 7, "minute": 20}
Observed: {"hour": 3, "minute": 45}
